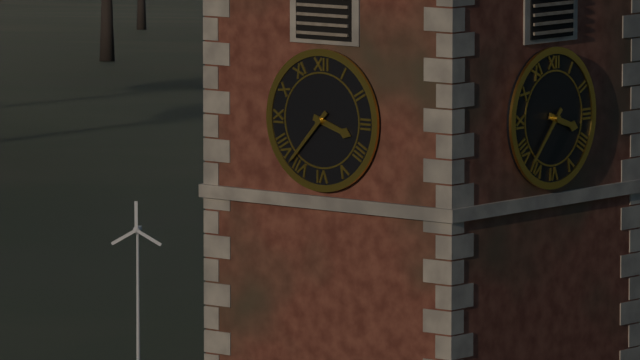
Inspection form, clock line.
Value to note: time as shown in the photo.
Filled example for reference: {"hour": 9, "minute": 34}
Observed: {"hour": 3, "minute": 37}
